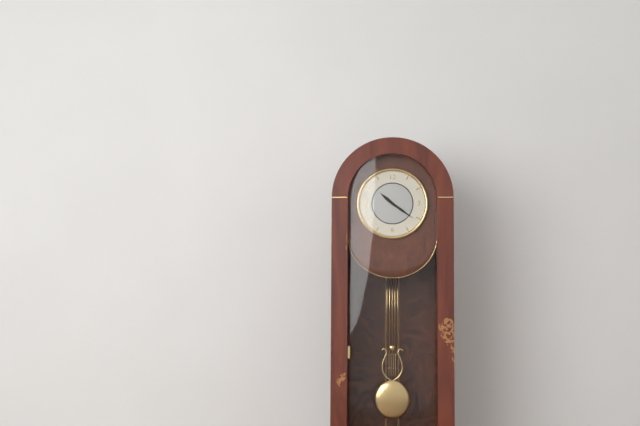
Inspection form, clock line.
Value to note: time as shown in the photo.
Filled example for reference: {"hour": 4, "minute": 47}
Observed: {"hour": 10, "minute": 21}
